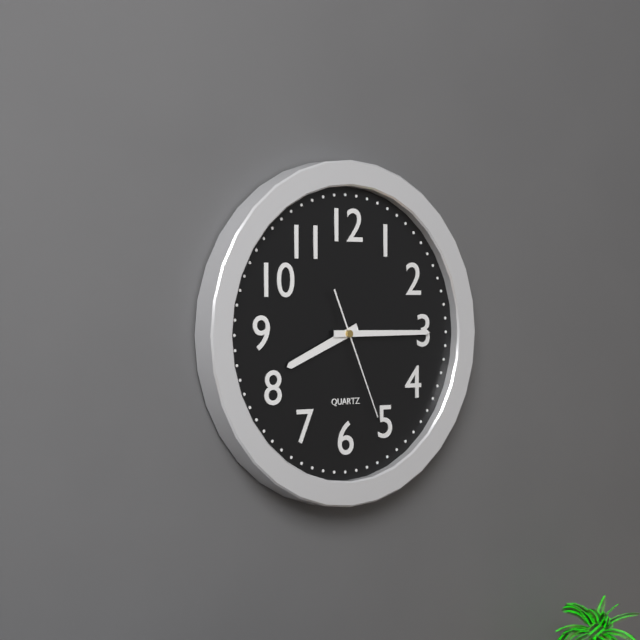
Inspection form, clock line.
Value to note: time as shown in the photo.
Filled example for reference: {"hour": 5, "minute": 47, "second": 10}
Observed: {"hour": 8, "minute": 15, "second": 26}
